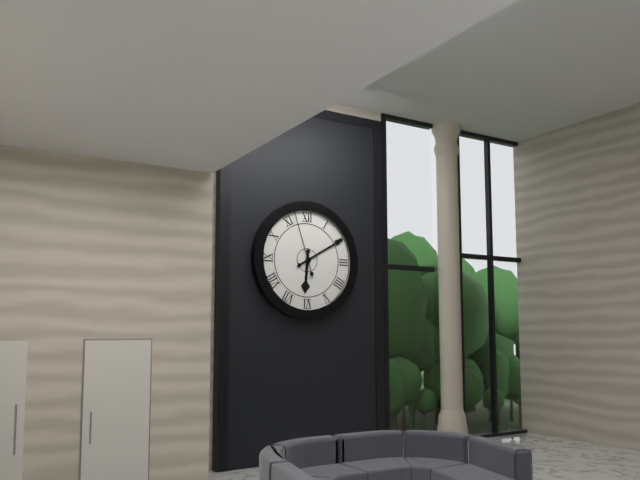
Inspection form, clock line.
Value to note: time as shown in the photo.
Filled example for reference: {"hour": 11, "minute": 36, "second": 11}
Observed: {"hour": 6, "minute": 10, "second": 57}
